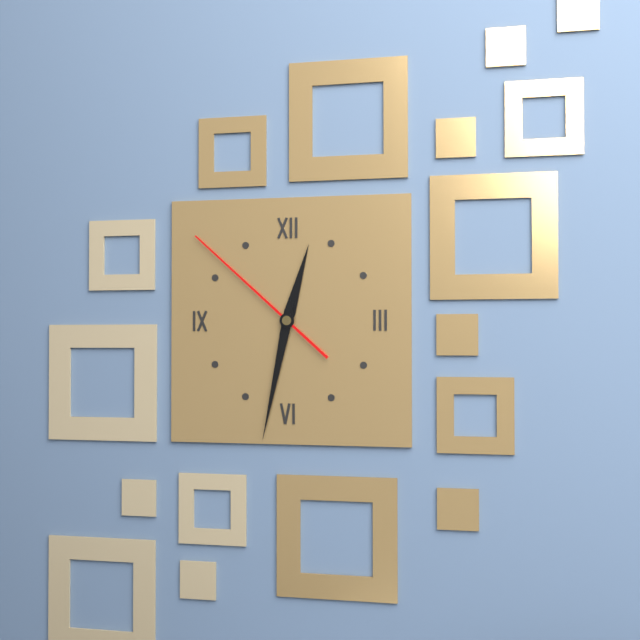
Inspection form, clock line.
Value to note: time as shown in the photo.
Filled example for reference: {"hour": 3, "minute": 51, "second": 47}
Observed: {"hour": 12, "minute": 32, "second": 52}
